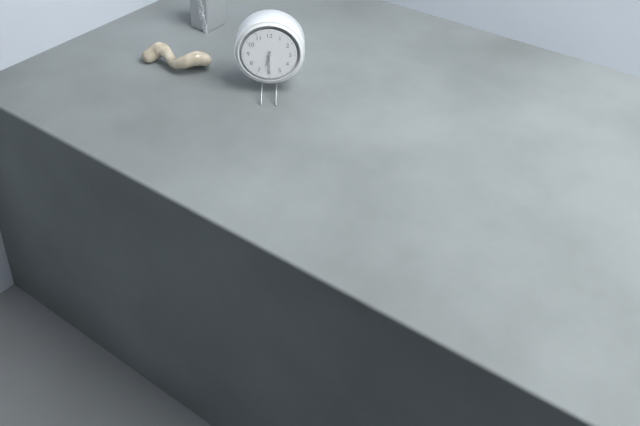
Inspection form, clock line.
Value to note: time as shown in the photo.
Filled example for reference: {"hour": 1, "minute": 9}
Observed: {"hour": 6, "minute": 30}
